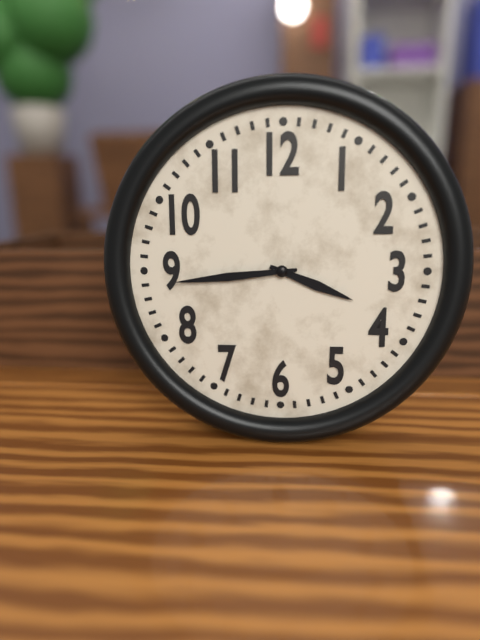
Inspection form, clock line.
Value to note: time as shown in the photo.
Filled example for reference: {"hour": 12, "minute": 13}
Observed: {"hour": 3, "minute": 44}
